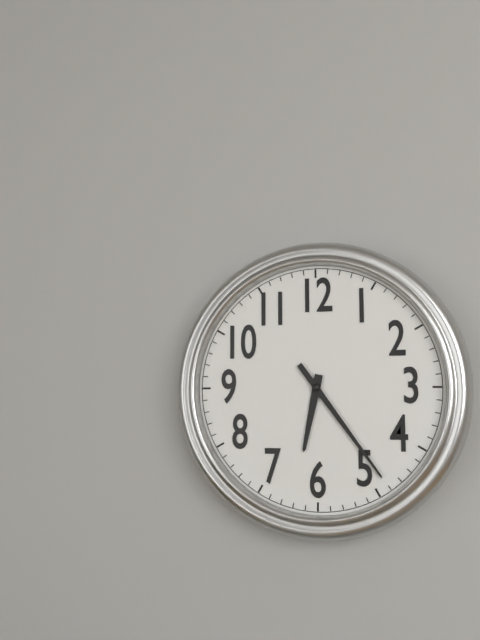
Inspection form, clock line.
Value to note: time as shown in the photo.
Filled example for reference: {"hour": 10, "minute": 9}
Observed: {"hour": 6, "minute": 24}
